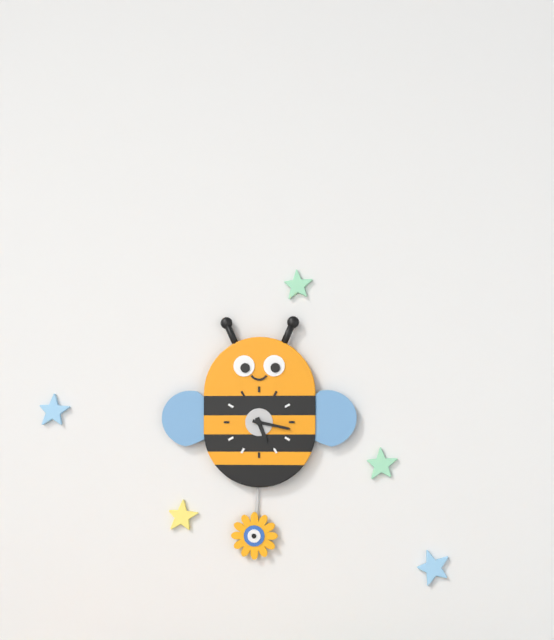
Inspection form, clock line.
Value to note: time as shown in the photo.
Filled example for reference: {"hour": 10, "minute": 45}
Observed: {"hour": 5, "minute": 17}
